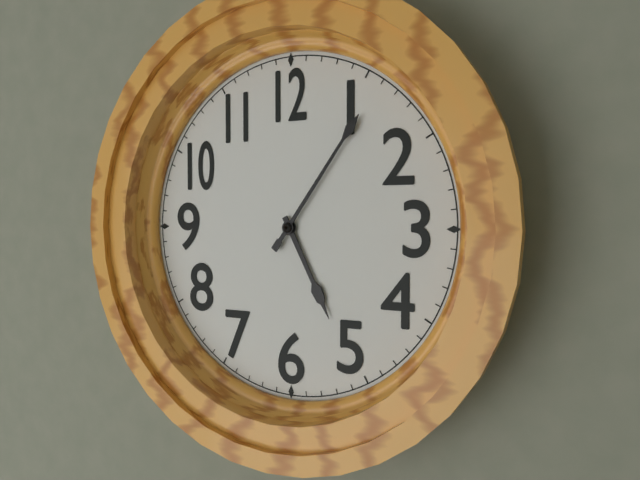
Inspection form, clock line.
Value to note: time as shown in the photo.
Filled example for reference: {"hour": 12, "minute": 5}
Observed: {"hour": 5, "minute": 6}
